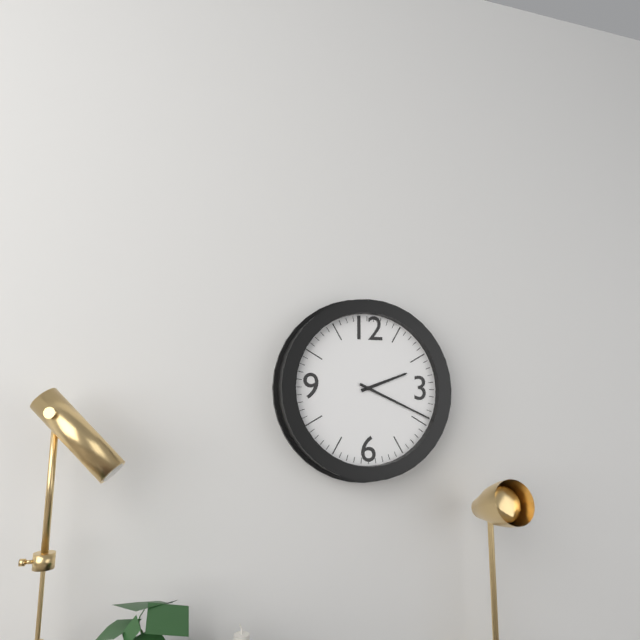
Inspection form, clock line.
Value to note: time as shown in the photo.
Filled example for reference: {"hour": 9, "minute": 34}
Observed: {"hour": 2, "minute": 19}
